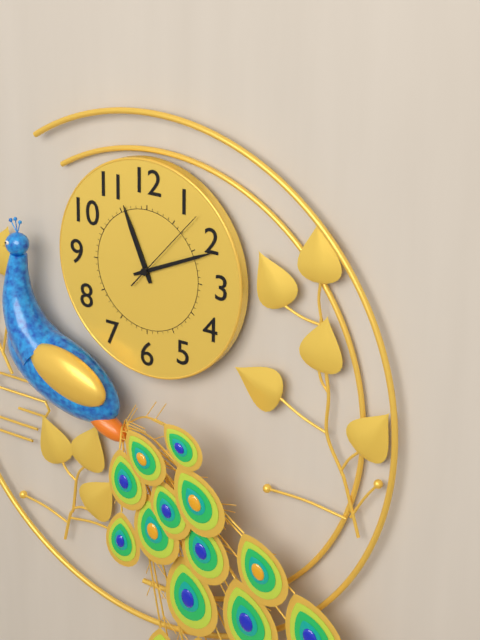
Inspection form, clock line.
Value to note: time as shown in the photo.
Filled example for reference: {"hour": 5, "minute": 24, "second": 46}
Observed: {"hour": 11, "minute": 11, "second": 7}
